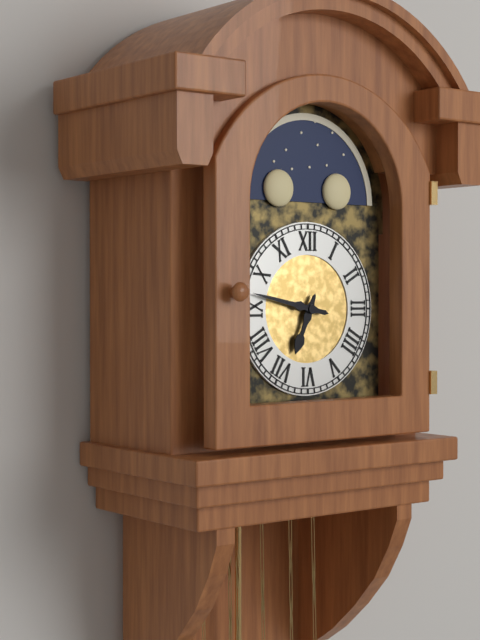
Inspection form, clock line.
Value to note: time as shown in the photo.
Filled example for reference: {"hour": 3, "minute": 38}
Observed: {"hour": 6, "minute": 47}
